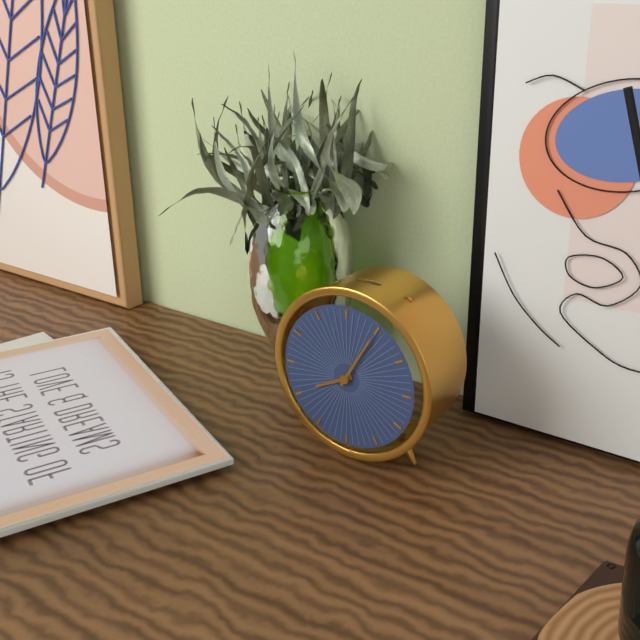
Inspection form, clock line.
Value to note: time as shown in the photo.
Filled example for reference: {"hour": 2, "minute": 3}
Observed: {"hour": 8, "minute": 5}
